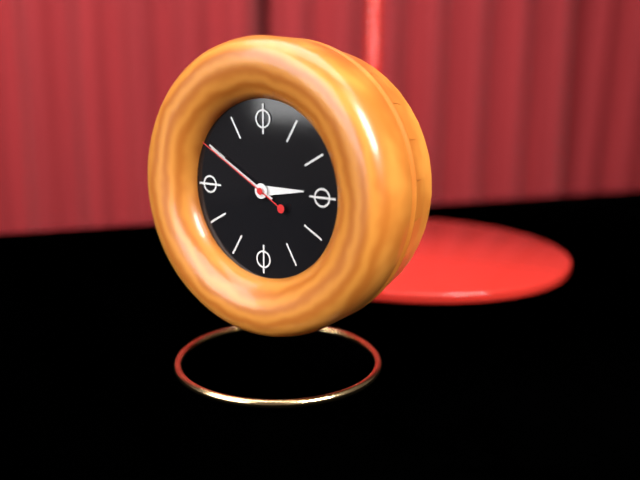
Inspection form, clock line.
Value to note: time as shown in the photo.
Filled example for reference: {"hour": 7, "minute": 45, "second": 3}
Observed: {"hour": 2, "minute": 50, "second": 50}
